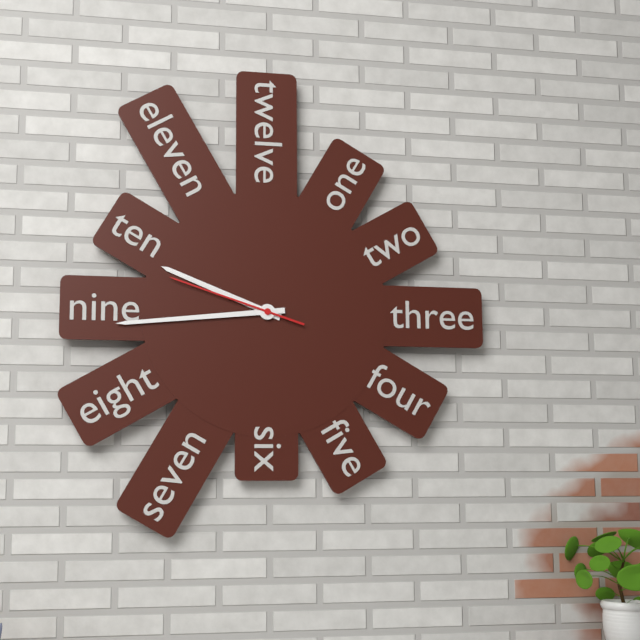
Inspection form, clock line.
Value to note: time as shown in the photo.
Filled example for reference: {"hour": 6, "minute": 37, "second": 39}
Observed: {"hour": 9, "minute": 44, "second": 48}
